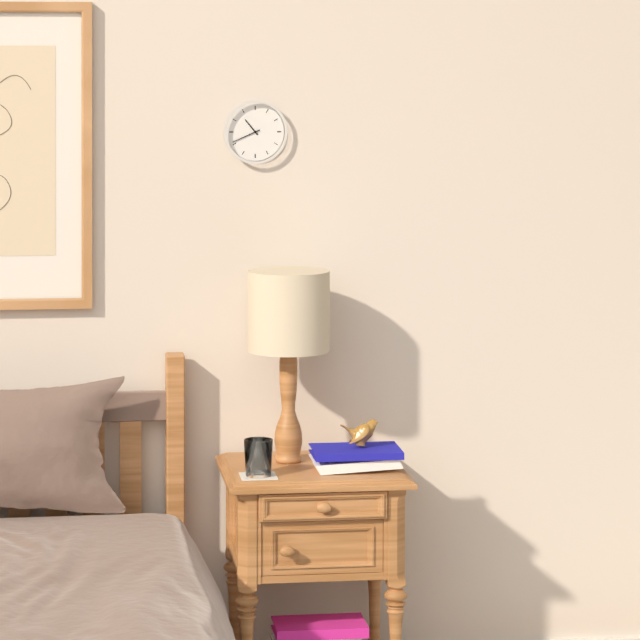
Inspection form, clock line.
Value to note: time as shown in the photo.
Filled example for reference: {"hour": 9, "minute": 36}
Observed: {"hour": 10, "minute": 41}
